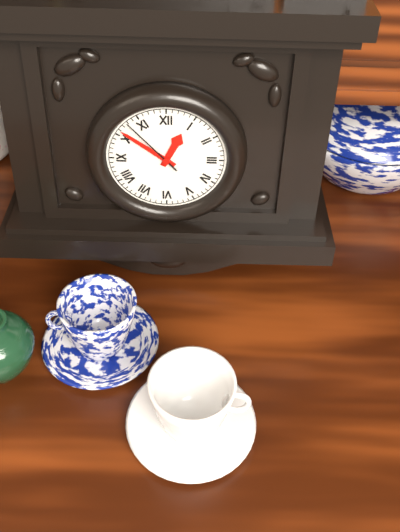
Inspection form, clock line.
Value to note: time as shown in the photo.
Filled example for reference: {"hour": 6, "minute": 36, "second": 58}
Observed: {"hour": 12, "minute": 51, "second": 53}
